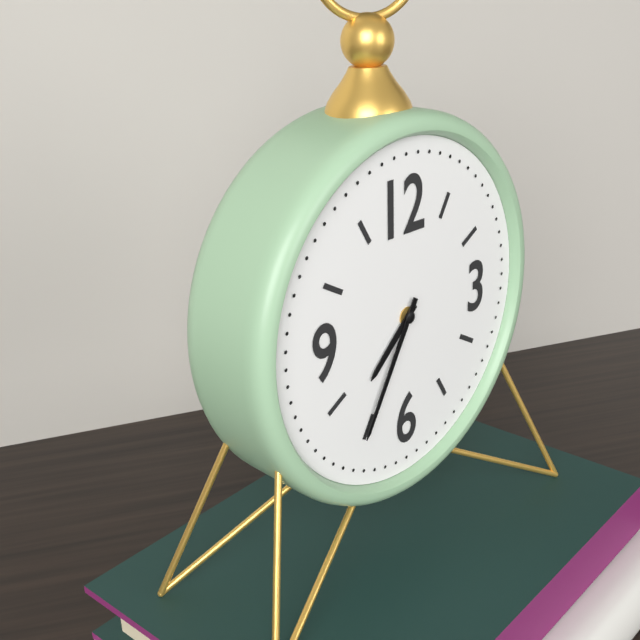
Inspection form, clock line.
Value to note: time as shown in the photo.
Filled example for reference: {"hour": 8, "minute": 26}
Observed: {"hour": 7, "minute": 35}
